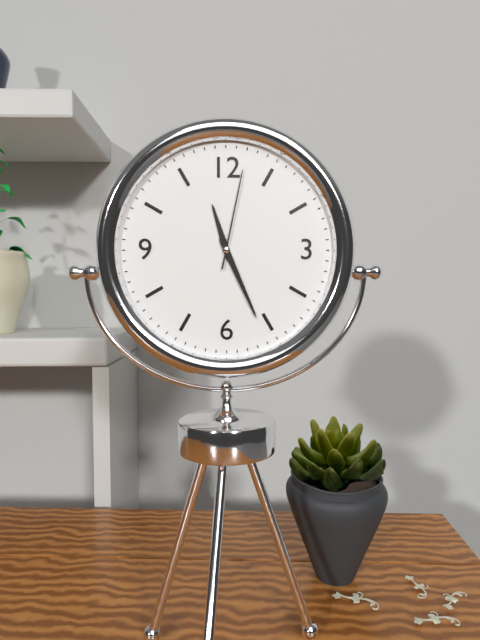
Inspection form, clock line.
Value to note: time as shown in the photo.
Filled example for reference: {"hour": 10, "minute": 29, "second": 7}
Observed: {"hour": 11, "minute": 26, "second": 2}
